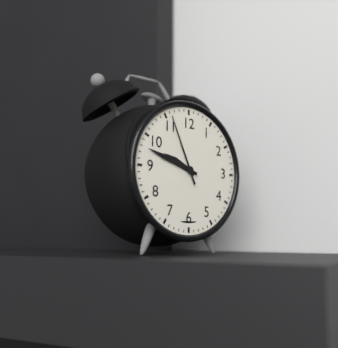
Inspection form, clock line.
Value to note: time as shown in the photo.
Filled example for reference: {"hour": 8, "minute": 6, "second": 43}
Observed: {"hour": 9, "minute": 48, "second": 56}
